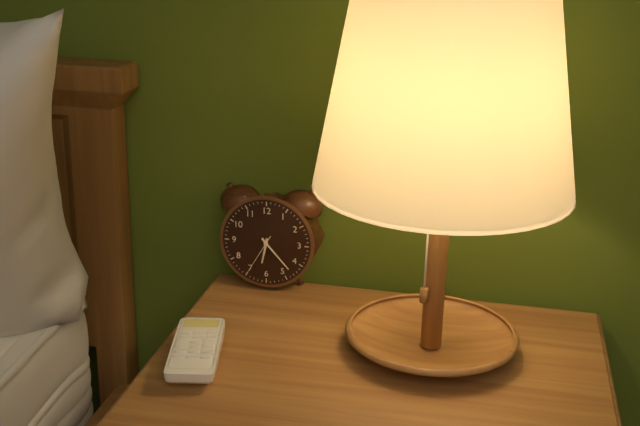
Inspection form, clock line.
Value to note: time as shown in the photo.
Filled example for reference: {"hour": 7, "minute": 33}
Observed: {"hour": 6, "minute": 23}
